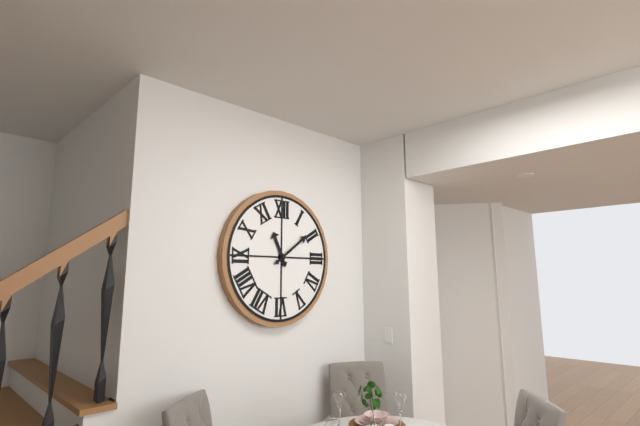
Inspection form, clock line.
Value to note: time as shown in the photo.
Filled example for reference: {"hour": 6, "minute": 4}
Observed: {"hour": 11, "minute": 9}
